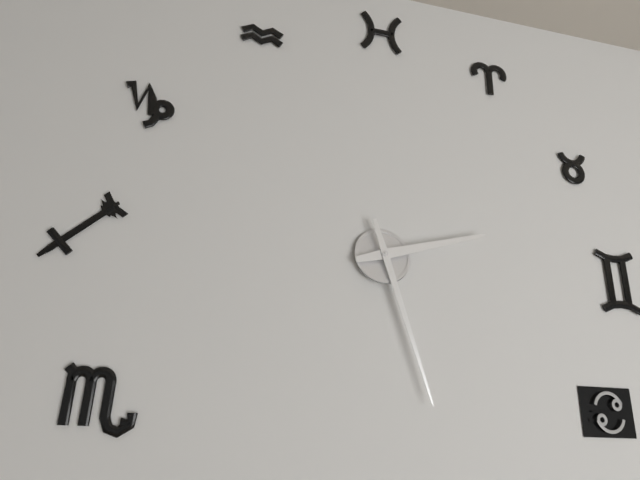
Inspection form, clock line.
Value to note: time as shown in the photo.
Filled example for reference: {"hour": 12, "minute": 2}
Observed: {"hour": 2, "minute": 27}
